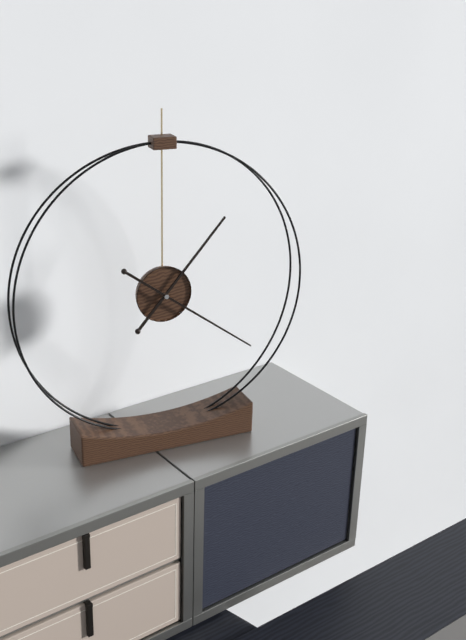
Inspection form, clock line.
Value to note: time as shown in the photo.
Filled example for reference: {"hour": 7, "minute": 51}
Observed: {"hour": 1, "minute": 21}
